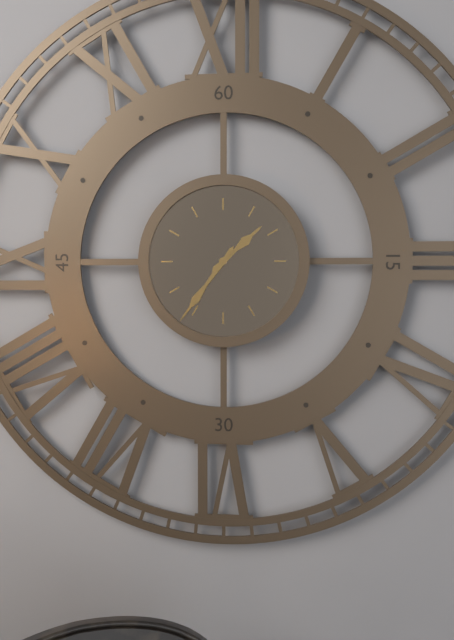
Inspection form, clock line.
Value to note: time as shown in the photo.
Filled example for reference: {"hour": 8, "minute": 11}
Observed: {"hour": 1, "minute": 36}
